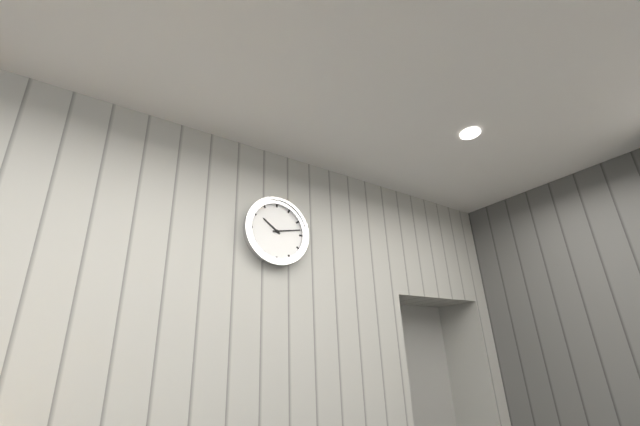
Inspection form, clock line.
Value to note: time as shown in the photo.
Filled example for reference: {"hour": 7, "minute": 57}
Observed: {"hour": 10, "minute": 13}
